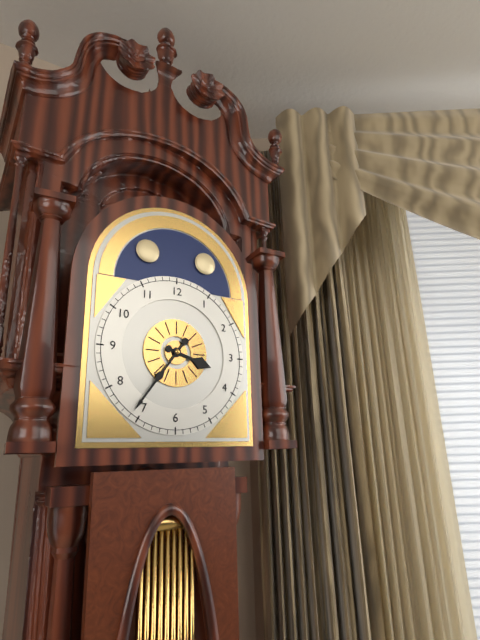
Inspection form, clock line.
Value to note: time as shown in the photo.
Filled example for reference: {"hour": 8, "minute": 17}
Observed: {"hour": 3, "minute": 36}
